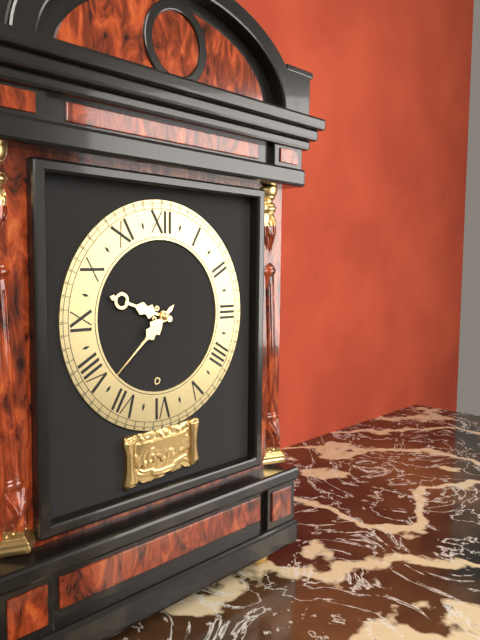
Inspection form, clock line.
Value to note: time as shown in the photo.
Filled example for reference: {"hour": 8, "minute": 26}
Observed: {"hour": 9, "minute": 38}
